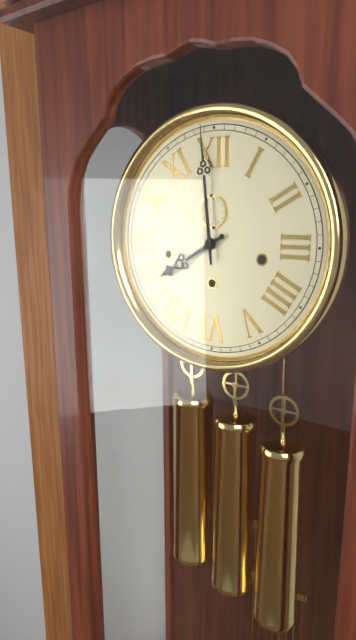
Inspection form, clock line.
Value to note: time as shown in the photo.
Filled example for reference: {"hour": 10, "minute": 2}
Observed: {"hour": 7, "minute": 59}
